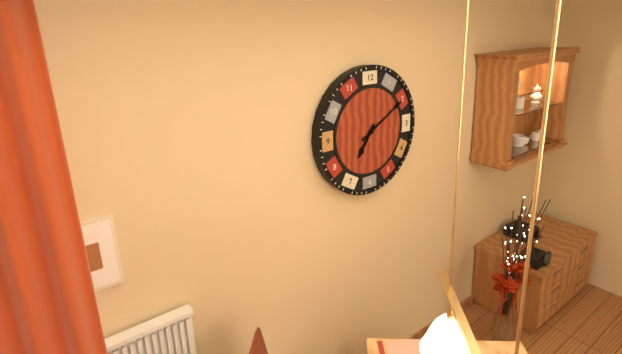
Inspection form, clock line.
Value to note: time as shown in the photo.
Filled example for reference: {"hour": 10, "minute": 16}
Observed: {"hour": 7, "minute": 10}
